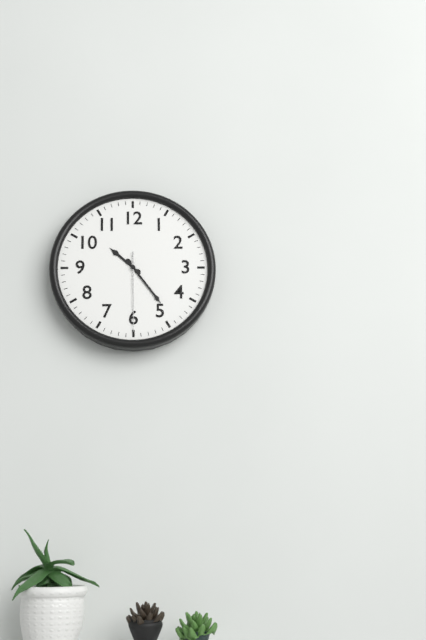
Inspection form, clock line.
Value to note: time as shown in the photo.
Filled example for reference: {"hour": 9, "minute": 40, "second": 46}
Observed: {"hour": 10, "minute": 24, "second": 30}
